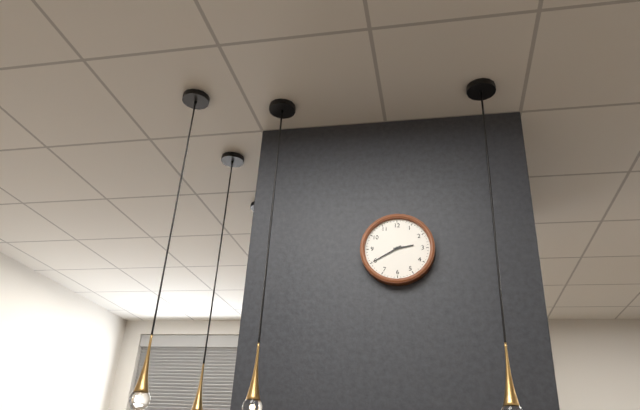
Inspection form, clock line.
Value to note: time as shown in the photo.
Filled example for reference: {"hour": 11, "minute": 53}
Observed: {"hour": 2, "minute": 40}
